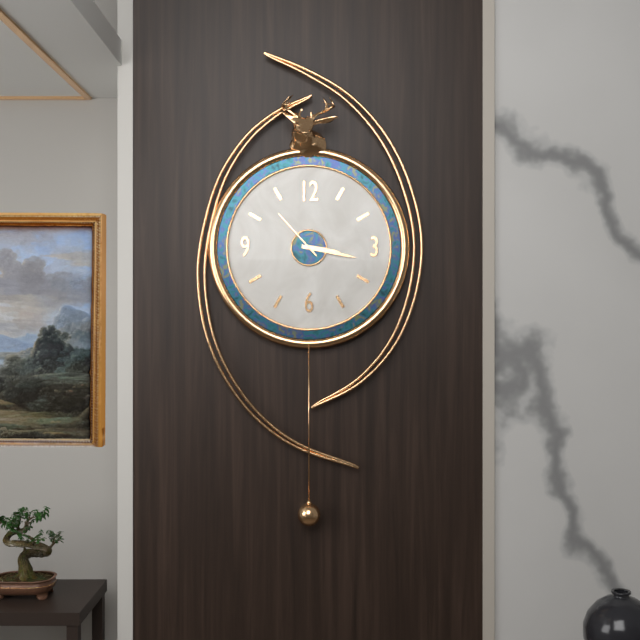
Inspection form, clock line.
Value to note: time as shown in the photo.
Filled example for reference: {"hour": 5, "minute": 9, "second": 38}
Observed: {"hour": 3, "minute": 17, "second": 53}
